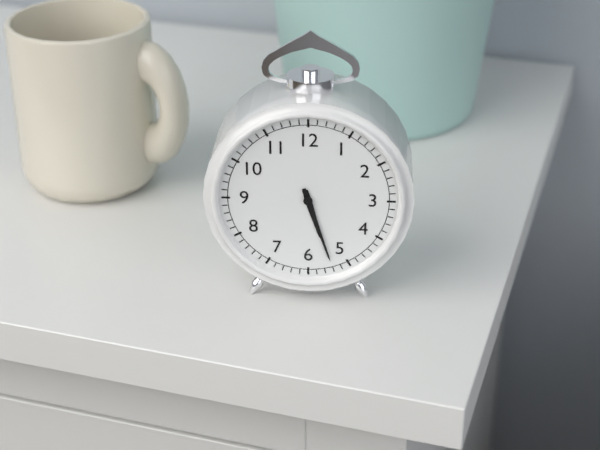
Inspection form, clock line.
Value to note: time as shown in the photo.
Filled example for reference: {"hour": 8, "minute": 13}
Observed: {"hour": 5, "minute": 27}
